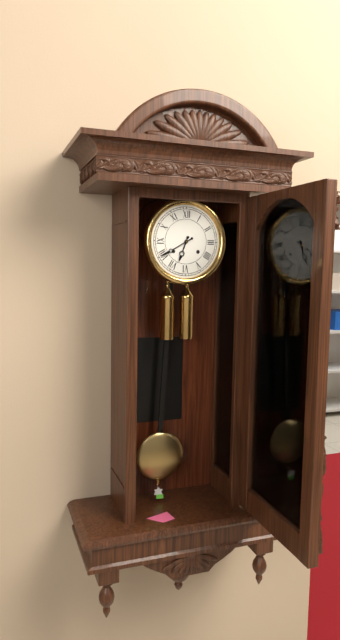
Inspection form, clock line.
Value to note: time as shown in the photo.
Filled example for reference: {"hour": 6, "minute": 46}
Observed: {"hour": 6, "minute": 40}
